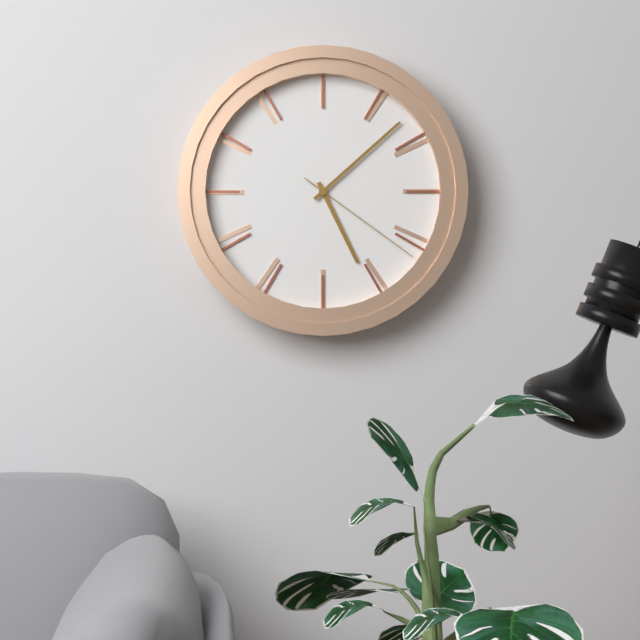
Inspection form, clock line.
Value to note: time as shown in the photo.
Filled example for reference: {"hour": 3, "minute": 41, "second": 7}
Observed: {"hour": 5, "minute": 8, "second": 21}
